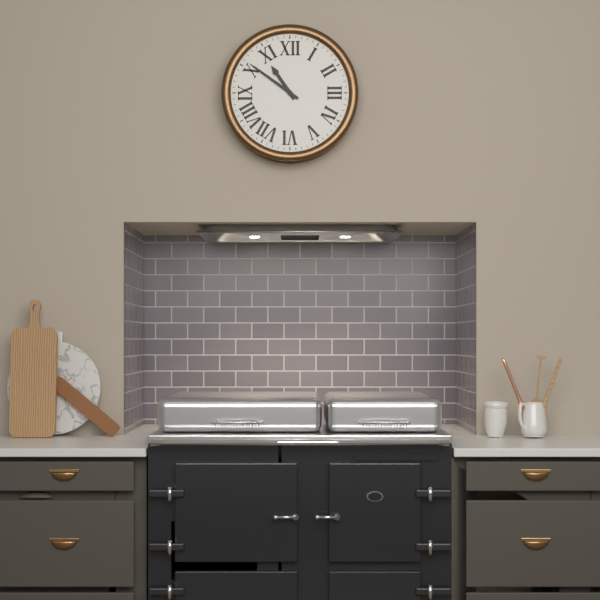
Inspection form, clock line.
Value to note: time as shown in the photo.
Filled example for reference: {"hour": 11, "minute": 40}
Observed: {"hour": 10, "minute": 51}
